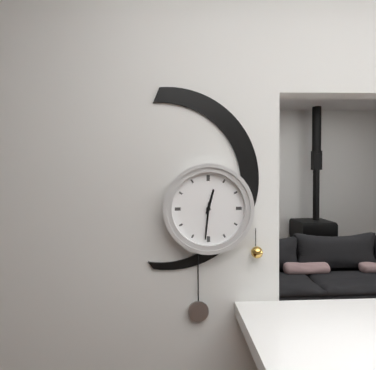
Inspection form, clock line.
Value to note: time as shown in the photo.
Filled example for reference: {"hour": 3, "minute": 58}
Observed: {"hour": 12, "minute": 31}
